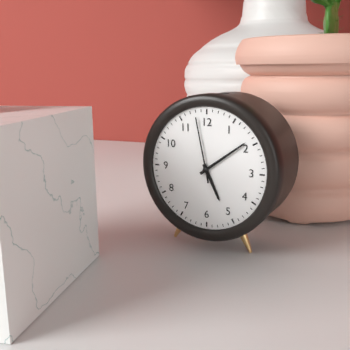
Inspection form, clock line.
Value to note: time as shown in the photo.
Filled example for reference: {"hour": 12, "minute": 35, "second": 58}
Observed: {"hour": 5, "minute": 9, "second": 58}
